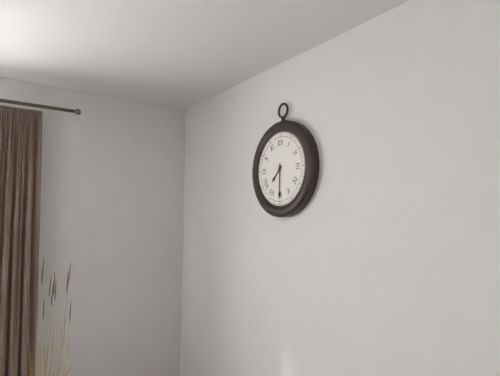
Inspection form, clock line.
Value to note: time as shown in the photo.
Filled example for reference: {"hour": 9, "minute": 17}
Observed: {"hour": 7, "minute": 30}
